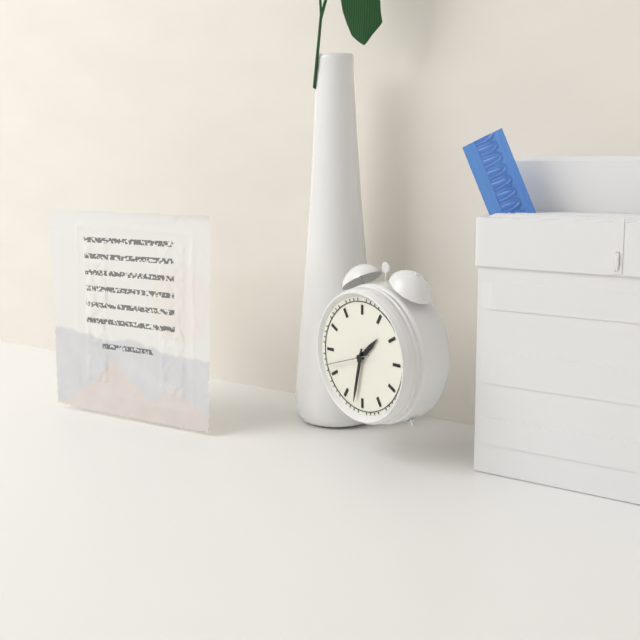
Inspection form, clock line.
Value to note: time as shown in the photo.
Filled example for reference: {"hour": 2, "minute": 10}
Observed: {"hour": 1, "minute": 32}
